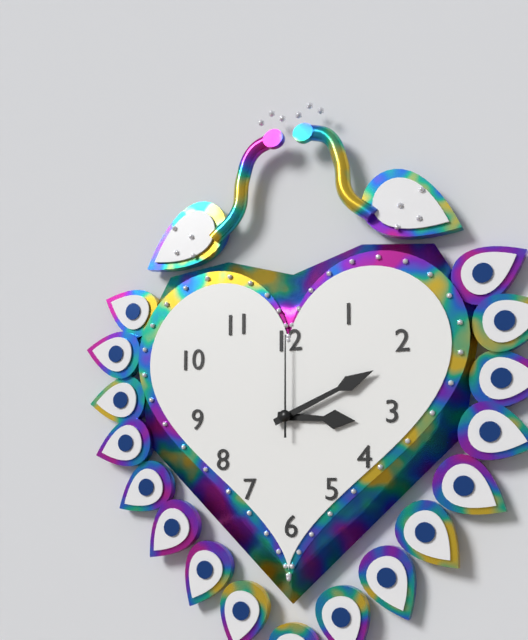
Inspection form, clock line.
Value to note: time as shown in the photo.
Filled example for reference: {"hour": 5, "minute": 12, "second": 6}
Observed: {"hour": 3, "minute": 11, "second": 0}
